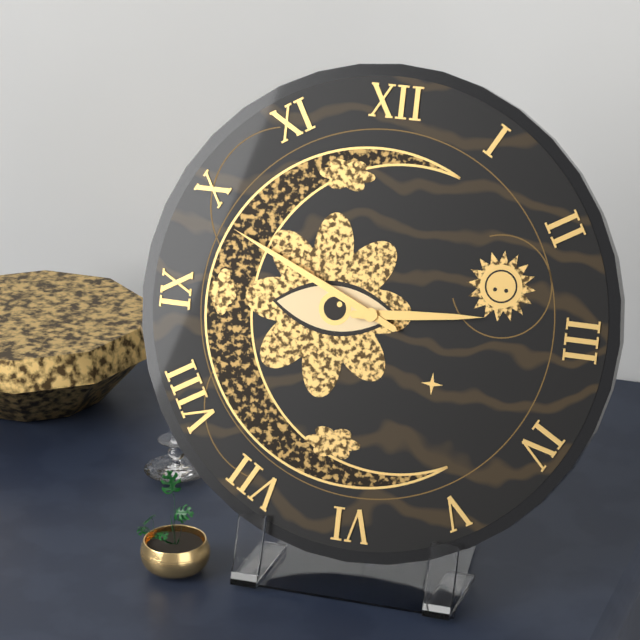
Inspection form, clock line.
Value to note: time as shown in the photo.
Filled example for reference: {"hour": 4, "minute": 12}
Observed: {"hour": 2, "minute": 49}
